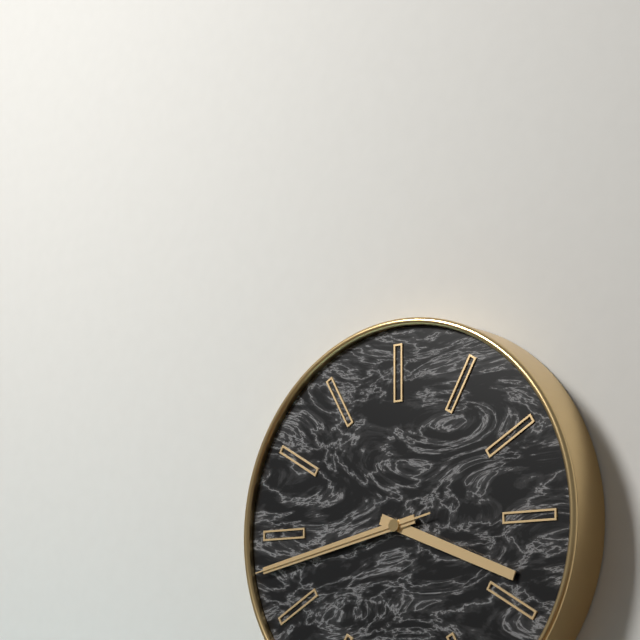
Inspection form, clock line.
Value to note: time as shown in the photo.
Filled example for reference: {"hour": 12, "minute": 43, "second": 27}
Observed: {"hour": 3, "minute": 43, "second": 43}
